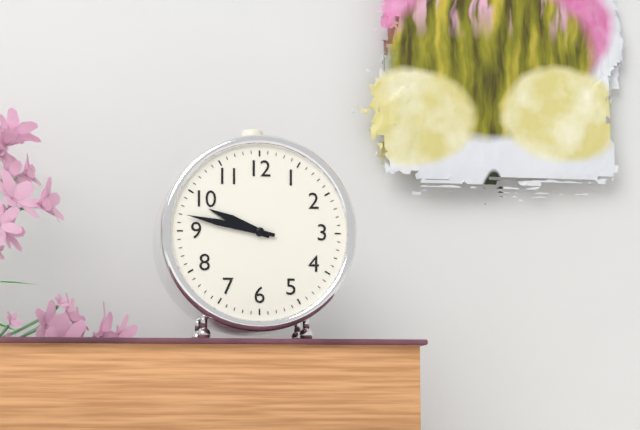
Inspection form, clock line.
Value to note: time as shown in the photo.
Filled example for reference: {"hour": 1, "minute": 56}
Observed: {"hour": 9, "minute": 47}
